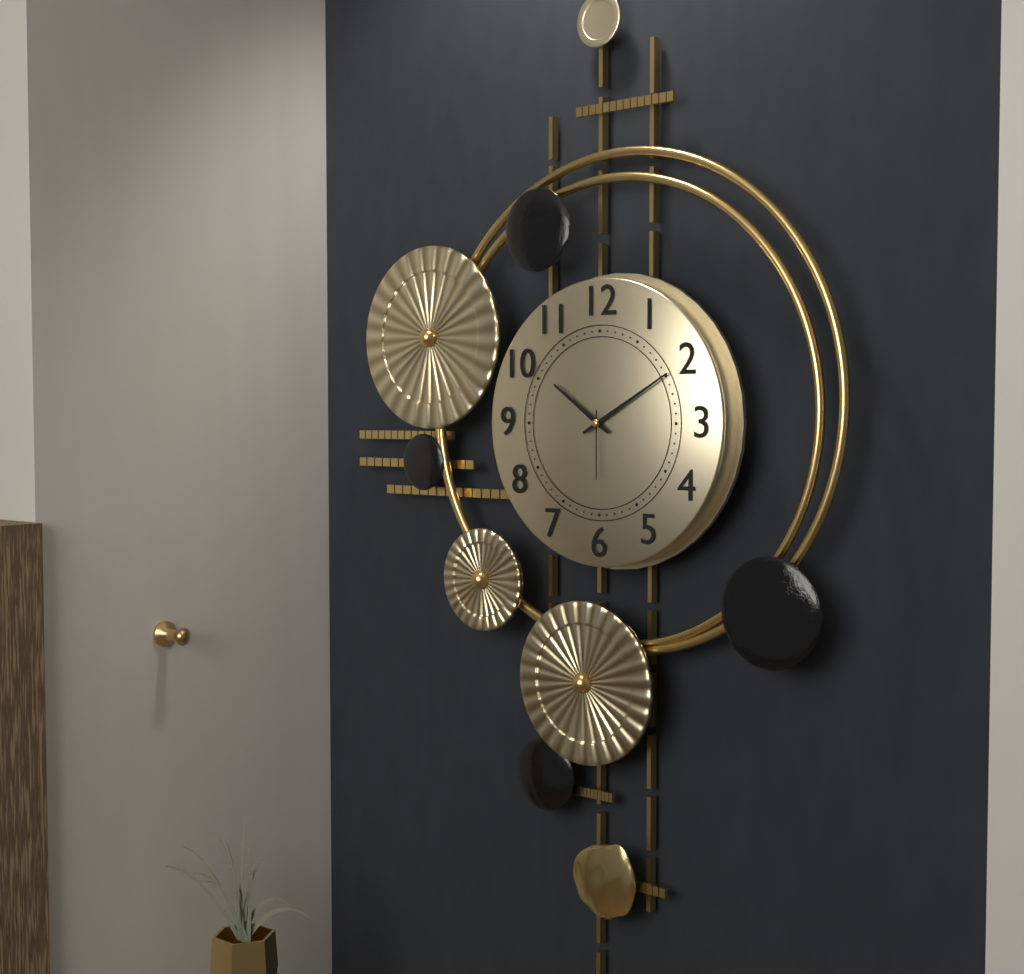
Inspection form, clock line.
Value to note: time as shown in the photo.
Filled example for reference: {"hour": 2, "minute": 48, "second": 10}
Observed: {"hour": 10, "minute": 10, "second": 30}
